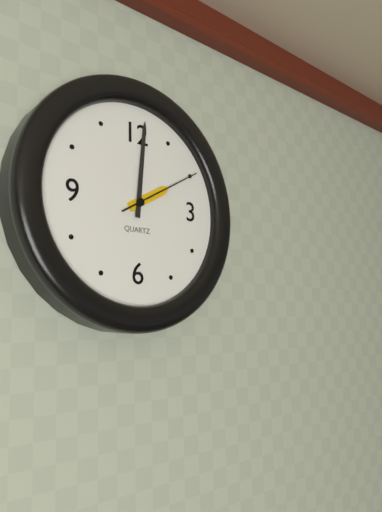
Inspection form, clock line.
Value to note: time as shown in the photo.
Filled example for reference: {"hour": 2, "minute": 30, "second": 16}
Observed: {"hour": 2, "minute": 1, "second": 10}
